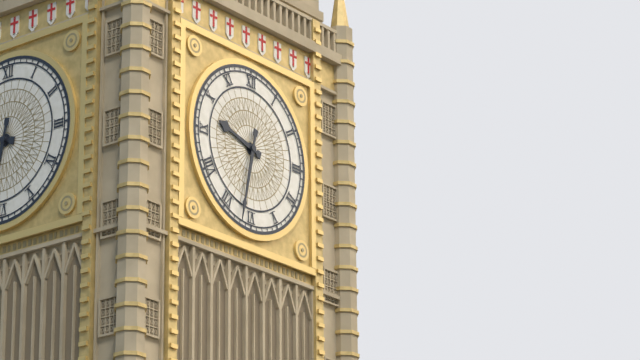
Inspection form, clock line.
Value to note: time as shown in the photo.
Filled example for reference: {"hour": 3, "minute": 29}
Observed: {"hour": 9, "minute": 32}
